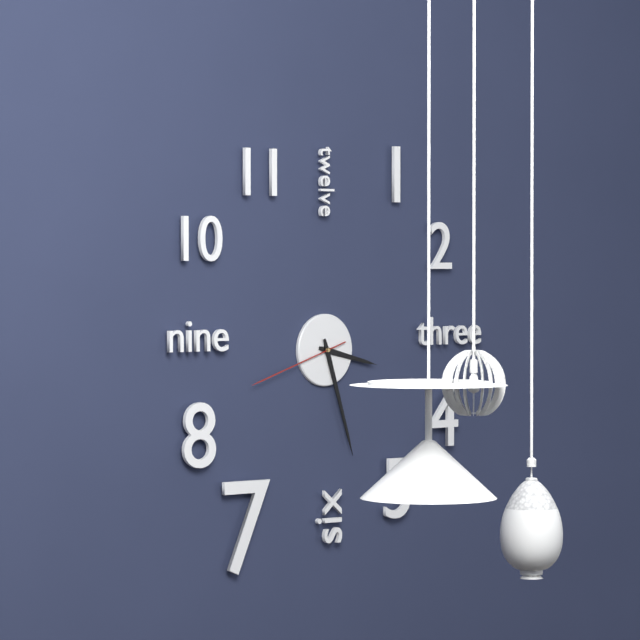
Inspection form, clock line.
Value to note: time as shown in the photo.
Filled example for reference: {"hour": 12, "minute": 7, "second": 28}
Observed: {"hour": 3, "minute": 27, "second": 42}
